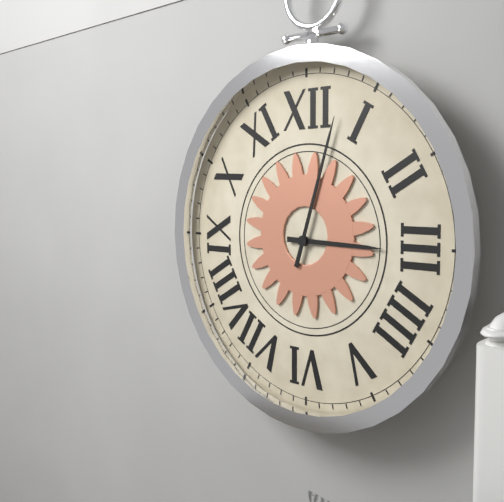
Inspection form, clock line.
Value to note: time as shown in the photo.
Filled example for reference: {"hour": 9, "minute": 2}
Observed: {"hour": 3, "minute": 3}
